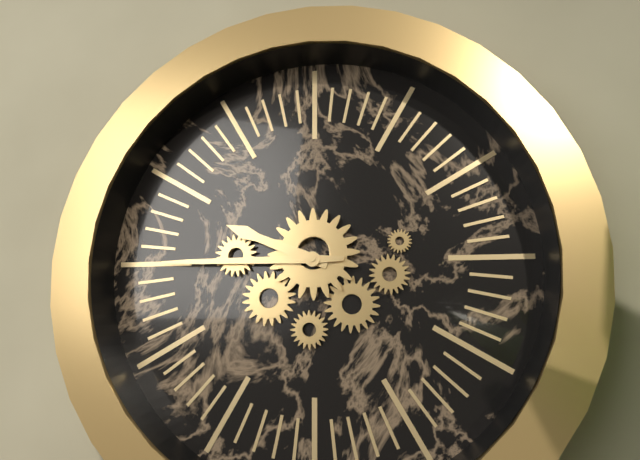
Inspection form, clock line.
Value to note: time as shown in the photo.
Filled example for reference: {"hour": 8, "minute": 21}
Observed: {"hour": 9, "minute": 45}
